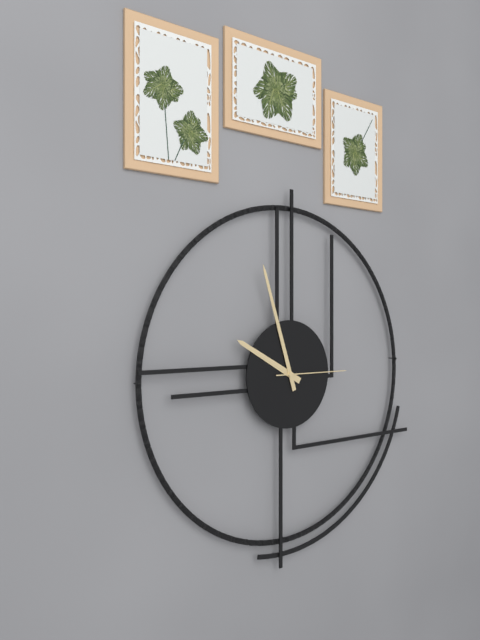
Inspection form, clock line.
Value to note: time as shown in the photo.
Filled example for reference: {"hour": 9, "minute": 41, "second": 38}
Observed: {"hour": 9, "minute": 57, "second": 15}
